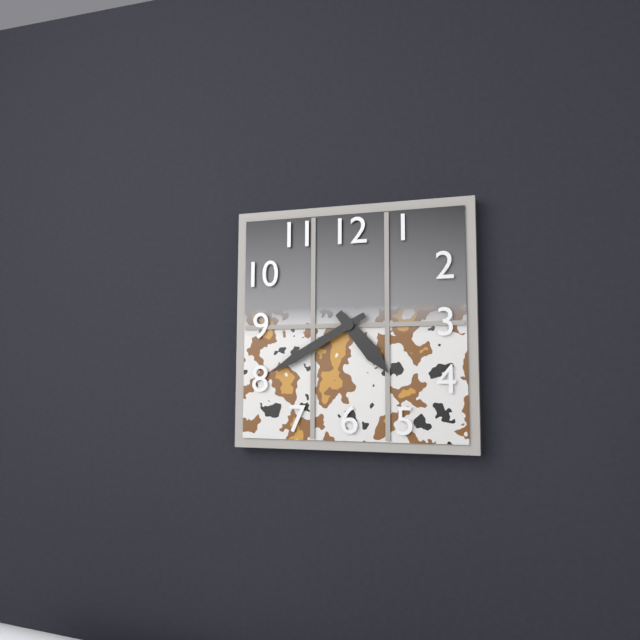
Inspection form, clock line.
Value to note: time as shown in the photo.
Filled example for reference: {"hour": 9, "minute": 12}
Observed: {"hour": 4, "minute": 40}
